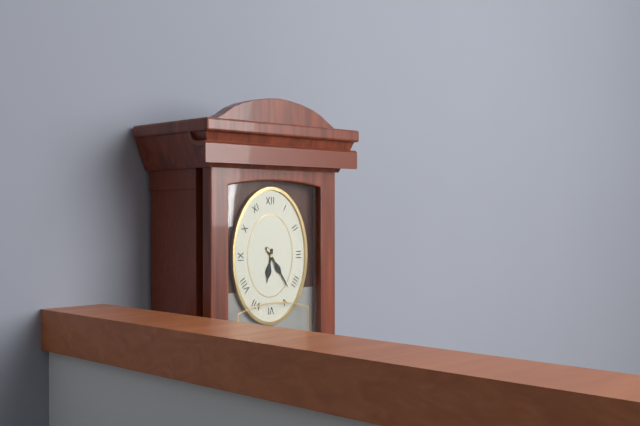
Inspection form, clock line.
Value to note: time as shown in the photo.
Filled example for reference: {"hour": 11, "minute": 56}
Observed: {"hour": 6, "minute": 24}
